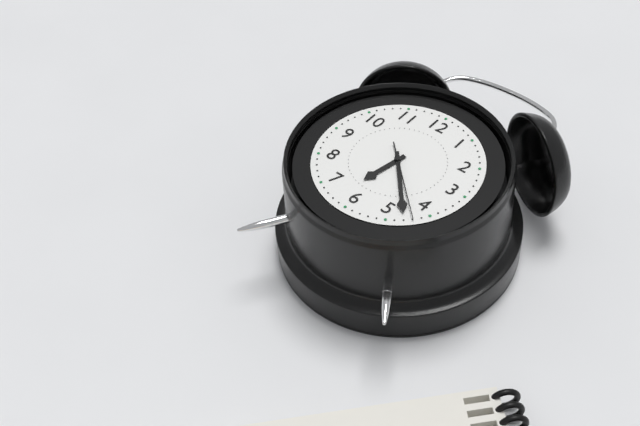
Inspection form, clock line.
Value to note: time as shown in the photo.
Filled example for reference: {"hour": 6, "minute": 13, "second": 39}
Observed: {"hour": 6, "minute": 23, "second": 22}
